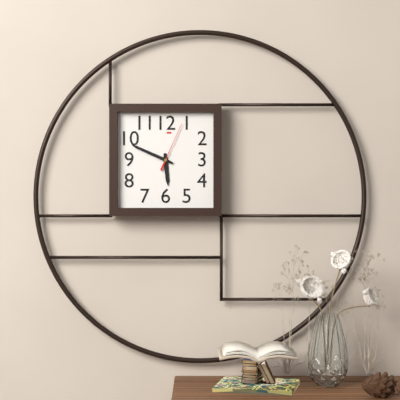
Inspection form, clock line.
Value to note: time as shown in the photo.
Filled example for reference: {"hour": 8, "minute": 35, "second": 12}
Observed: {"hour": 5, "minute": 49, "second": 4}
